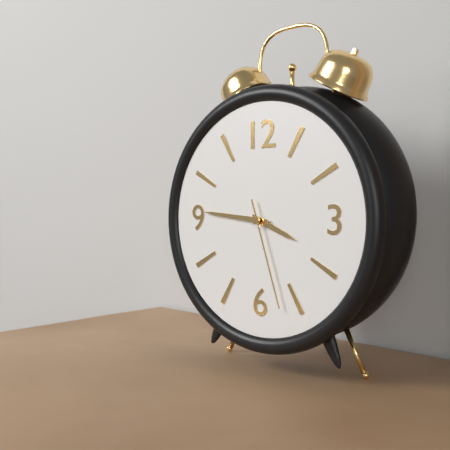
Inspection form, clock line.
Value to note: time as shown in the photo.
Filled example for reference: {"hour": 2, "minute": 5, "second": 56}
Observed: {"hour": 3, "minute": 46, "second": 27}
